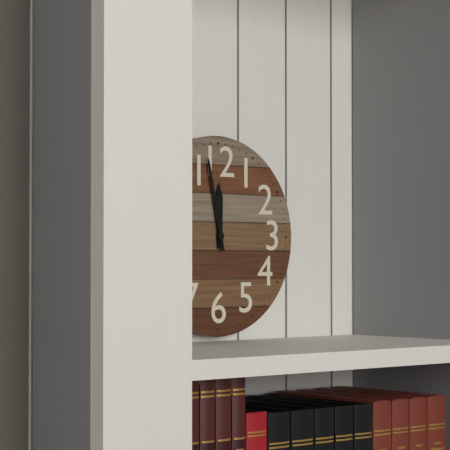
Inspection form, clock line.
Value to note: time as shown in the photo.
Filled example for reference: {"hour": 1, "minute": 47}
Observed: {"hour": 11, "minute": 58}
